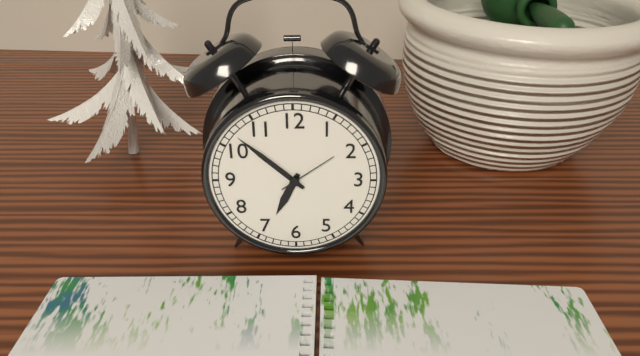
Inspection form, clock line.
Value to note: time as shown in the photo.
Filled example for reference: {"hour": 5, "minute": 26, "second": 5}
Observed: {"hour": 6, "minute": 52, "second": 9}
